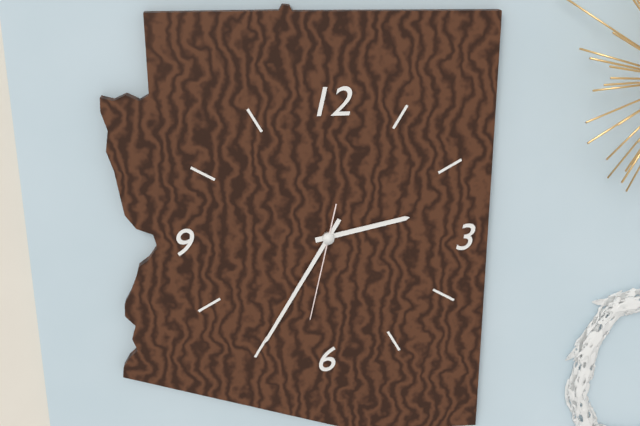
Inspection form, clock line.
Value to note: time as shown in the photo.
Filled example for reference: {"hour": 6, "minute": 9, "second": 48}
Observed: {"hour": 2, "minute": 35, "second": 32}
